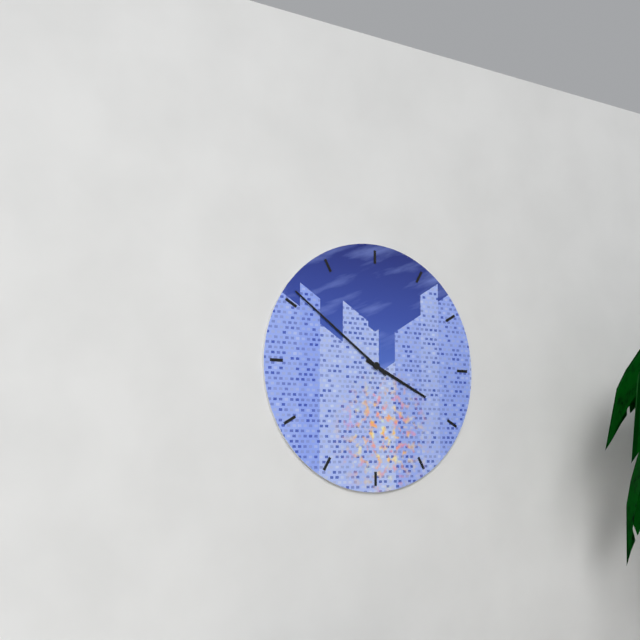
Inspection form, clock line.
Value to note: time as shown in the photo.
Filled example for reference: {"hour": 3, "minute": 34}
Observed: {"hour": 3, "minute": 51}
